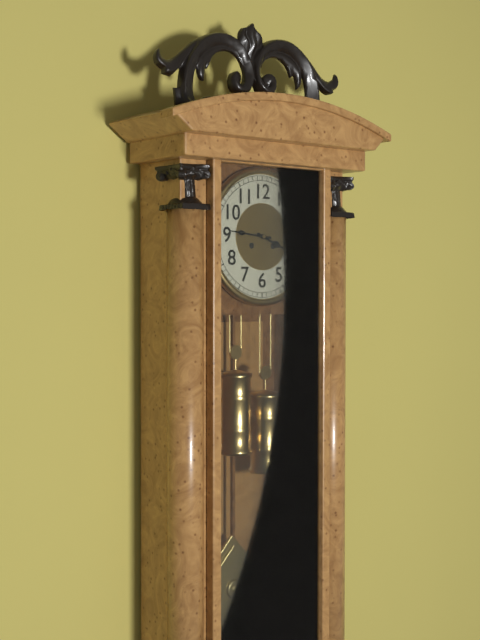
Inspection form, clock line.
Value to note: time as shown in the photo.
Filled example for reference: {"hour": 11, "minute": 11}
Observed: {"hour": 3, "minute": 46}
